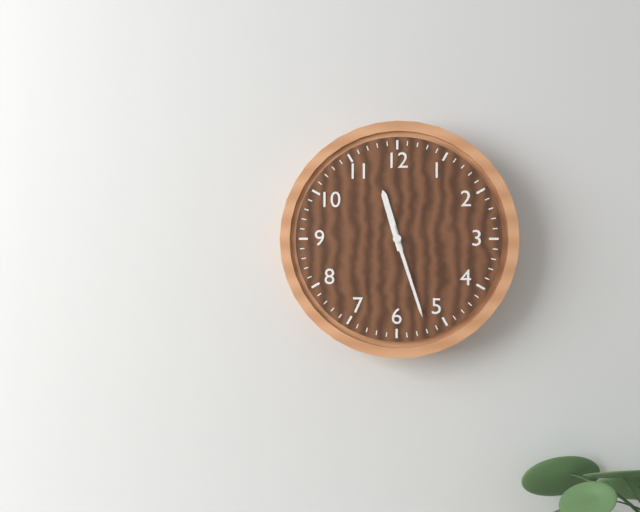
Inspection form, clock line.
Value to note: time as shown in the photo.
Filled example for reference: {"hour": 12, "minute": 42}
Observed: {"hour": 11, "minute": 27}
